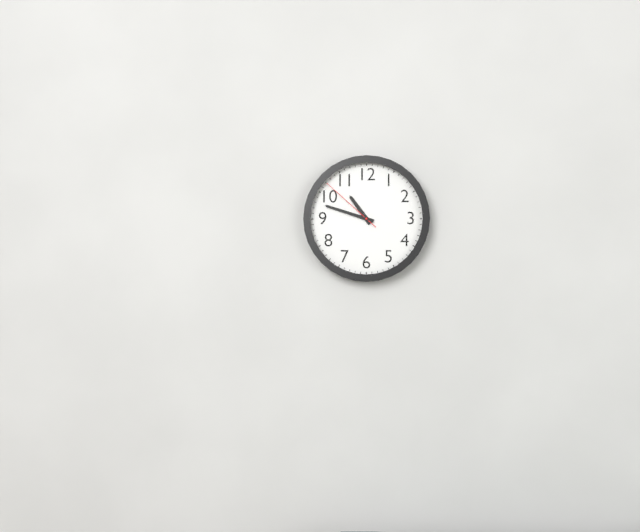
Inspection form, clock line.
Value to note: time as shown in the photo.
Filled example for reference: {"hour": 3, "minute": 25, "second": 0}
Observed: {"hour": 10, "minute": 48, "second": 52}
